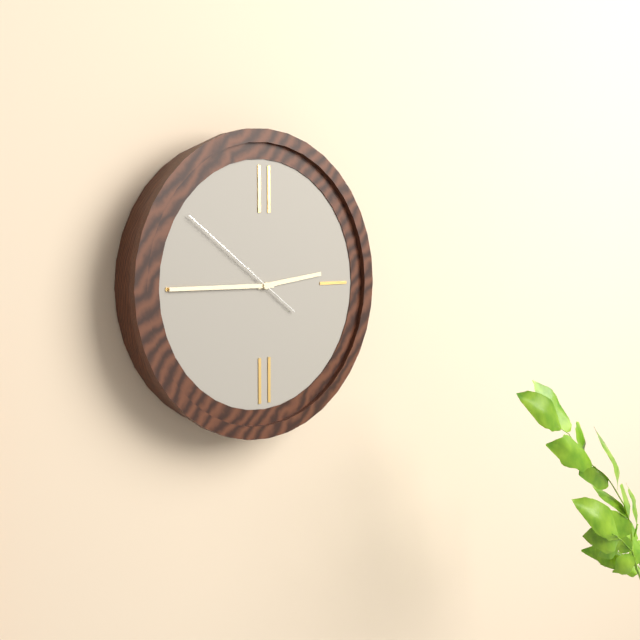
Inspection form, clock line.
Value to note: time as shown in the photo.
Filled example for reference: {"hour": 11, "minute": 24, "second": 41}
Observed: {"hour": 2, "minute": 45, "second": 51}
